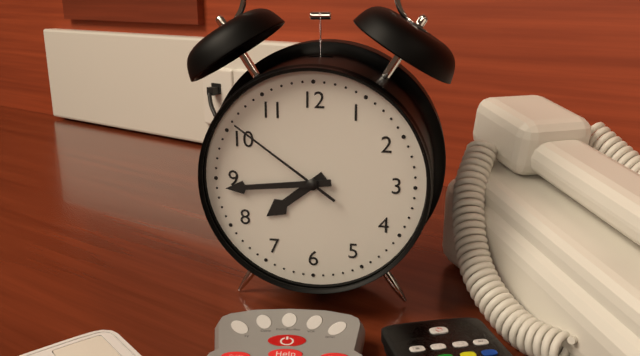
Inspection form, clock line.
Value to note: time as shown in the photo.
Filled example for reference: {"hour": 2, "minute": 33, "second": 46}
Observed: {"hour": 7, "minute": 44, "second": 51}
